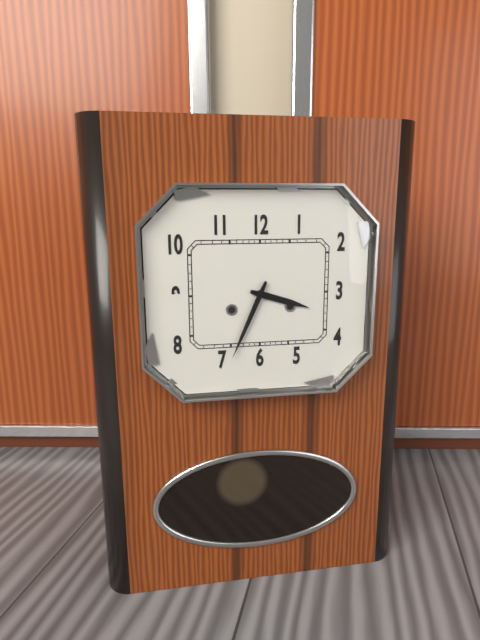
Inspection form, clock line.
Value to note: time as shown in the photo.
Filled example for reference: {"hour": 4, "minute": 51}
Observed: {"hour": 3, "minute": 34}
